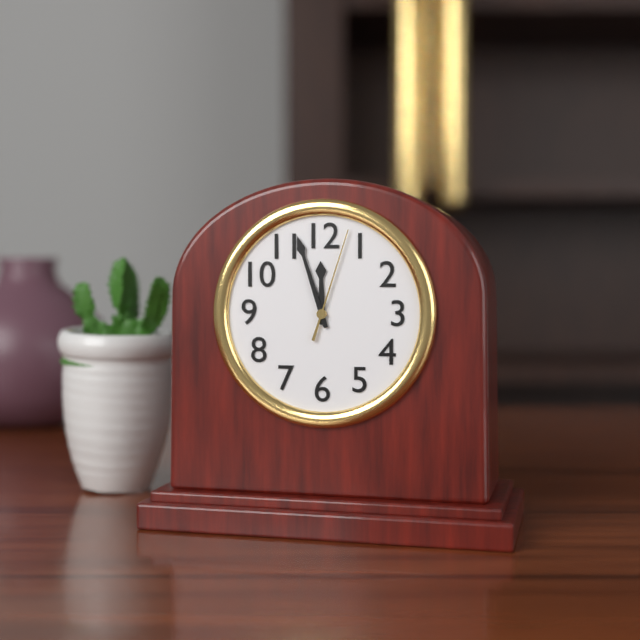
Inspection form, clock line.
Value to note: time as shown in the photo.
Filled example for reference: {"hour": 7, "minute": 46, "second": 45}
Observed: {"hour": 11, "minute": 57, "second": 3}
